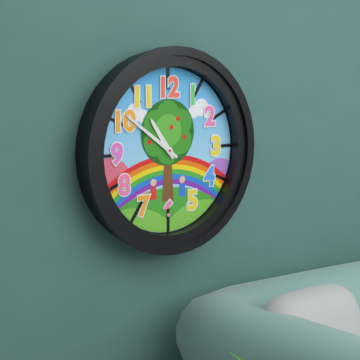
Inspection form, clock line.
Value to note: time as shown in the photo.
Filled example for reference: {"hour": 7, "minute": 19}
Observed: {"hour": 10, "minute": 51}
